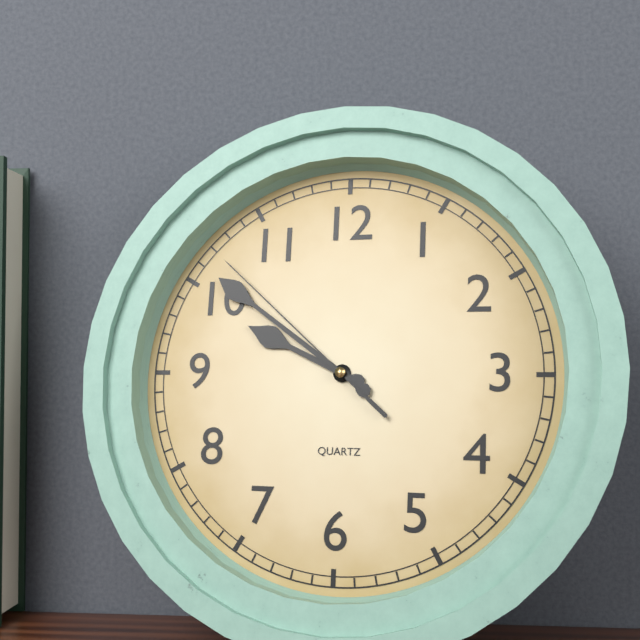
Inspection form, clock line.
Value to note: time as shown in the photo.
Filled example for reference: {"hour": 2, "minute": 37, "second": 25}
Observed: {"hour": 9, "minute": 51, "second": 52}
